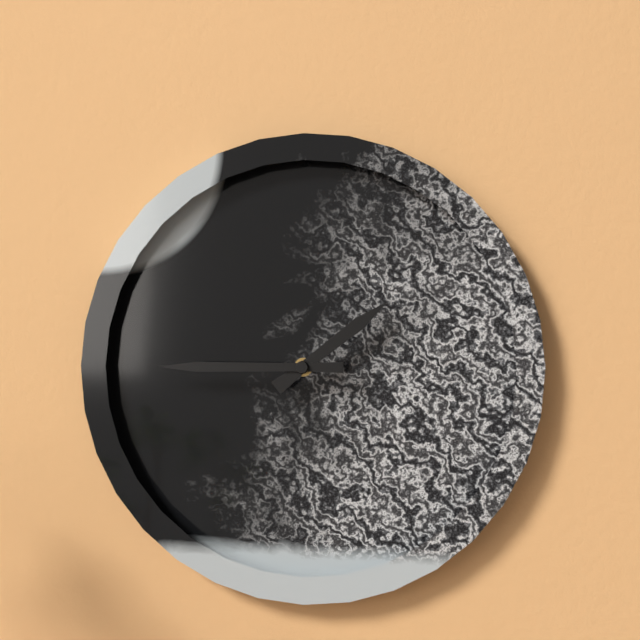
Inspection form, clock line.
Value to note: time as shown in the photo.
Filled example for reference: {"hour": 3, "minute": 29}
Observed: {"hour": 1, "minute": 45}
